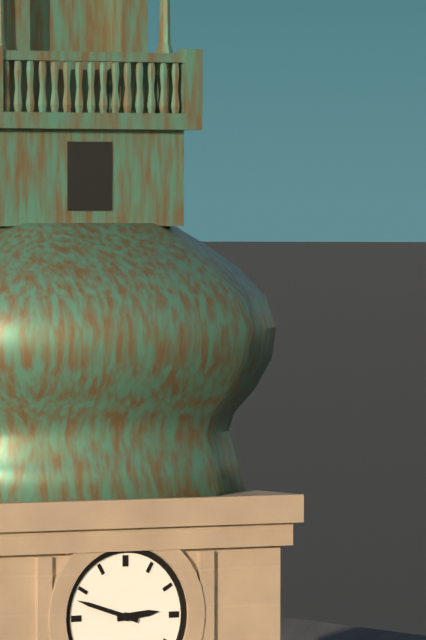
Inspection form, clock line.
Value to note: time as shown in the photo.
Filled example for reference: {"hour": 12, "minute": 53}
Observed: {"hour": 2, "minute": 48}
